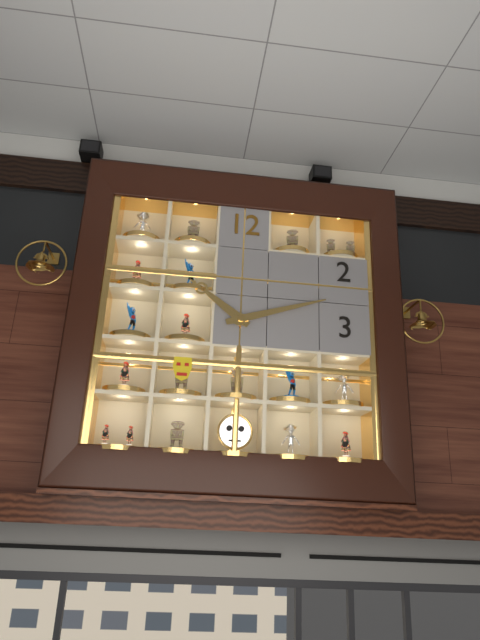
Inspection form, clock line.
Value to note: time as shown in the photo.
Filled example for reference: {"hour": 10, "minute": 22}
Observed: {"hour": 10, "minute": 12}
